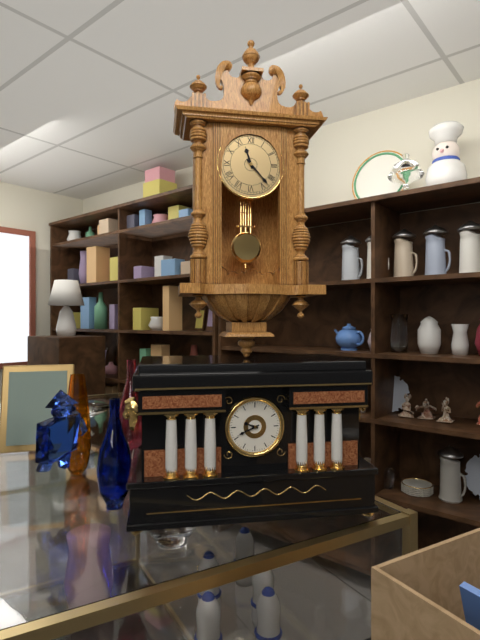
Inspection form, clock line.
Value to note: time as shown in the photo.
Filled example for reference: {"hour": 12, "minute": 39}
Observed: {"hour": 11, "minute": 23}
